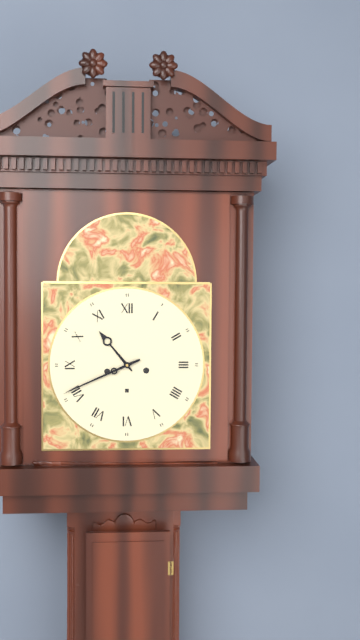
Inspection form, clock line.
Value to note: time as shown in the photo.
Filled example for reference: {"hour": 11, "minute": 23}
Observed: {"hour": 10, "minute": 41}
